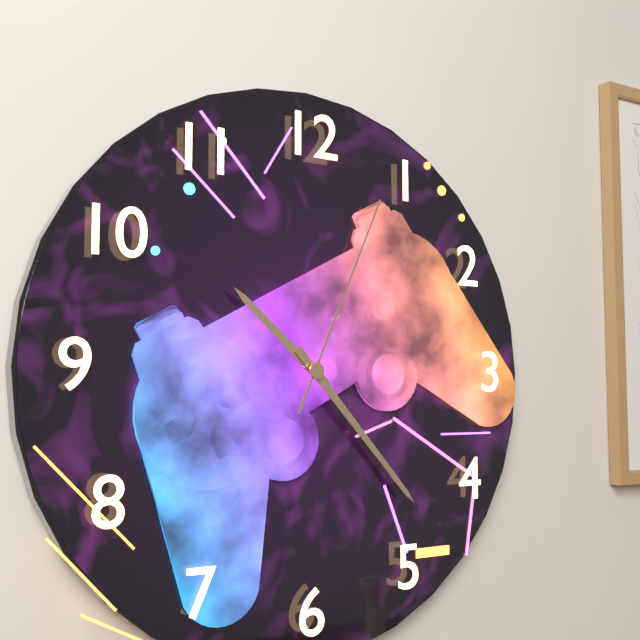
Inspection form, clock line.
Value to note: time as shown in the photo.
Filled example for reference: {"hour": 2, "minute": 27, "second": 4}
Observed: {"hour": 10, "minute": 23, "second": 4}
